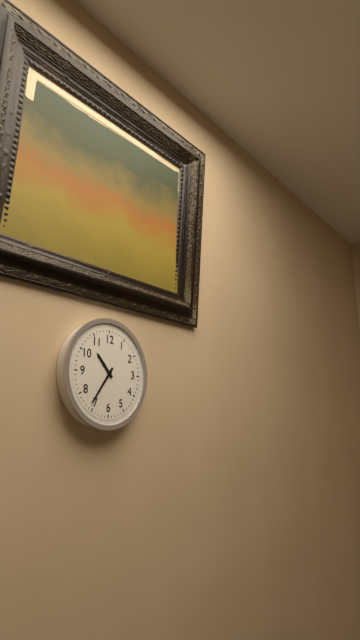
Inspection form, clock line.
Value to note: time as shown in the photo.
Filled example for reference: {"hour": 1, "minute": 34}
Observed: {"hour": 10, "minute": 36}
